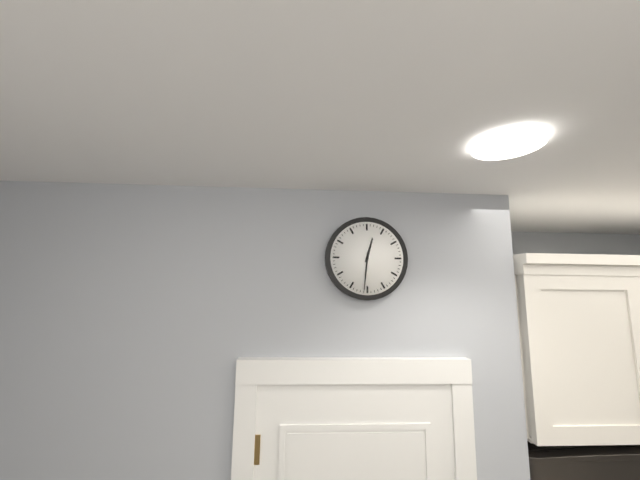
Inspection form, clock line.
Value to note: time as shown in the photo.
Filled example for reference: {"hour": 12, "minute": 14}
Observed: {"hour": 12, "minute": 31}
